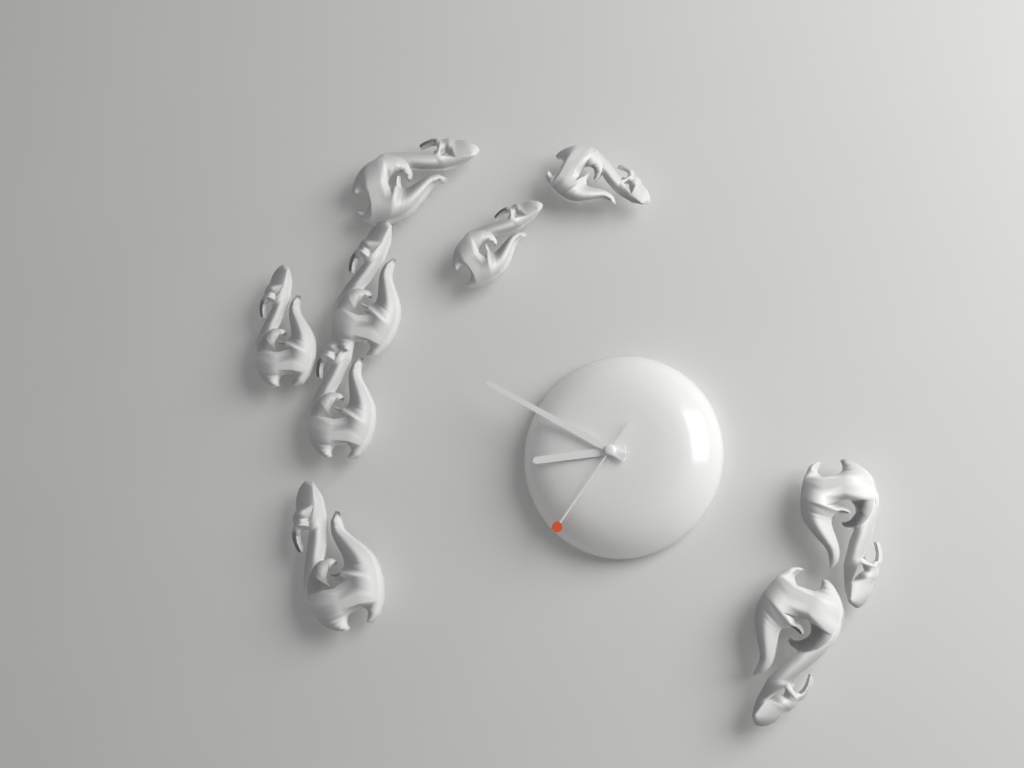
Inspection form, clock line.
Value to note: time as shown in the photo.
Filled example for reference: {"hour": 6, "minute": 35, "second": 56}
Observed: {"hour": 8, "minute": 50, "second": 36}
